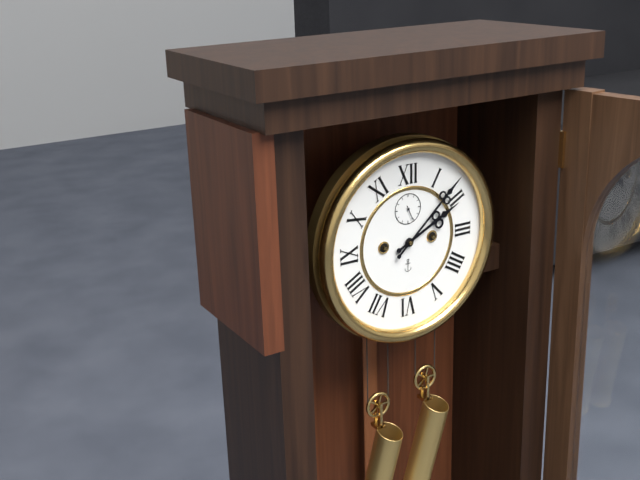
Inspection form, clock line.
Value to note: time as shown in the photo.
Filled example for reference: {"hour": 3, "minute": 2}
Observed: {"hour": 2, "minute": 8}
